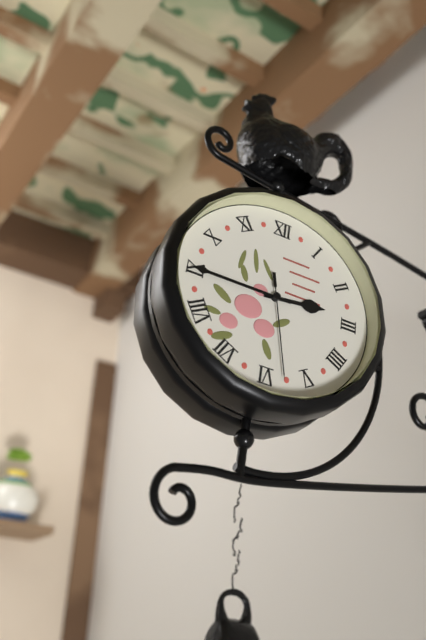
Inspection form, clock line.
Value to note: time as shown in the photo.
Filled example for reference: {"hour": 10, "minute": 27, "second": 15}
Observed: {"hour": 2, "minute": 45, "second": 28}
